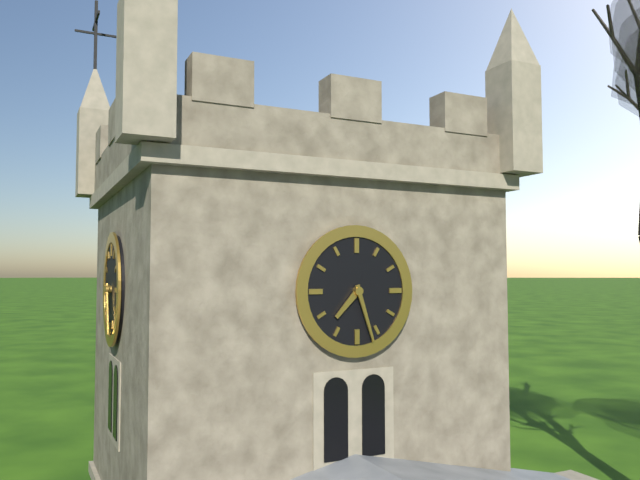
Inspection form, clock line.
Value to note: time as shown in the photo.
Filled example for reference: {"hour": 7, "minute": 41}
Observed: {"hour": 7, "minute": 27}
